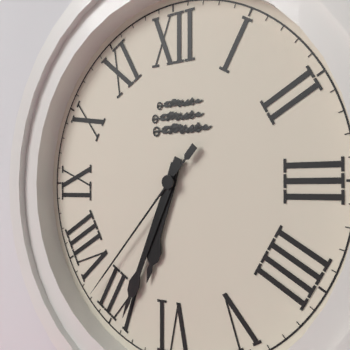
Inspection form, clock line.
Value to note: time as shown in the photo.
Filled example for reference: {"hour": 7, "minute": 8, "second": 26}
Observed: {"hour": 6, "minute": 34, "second": 37}
